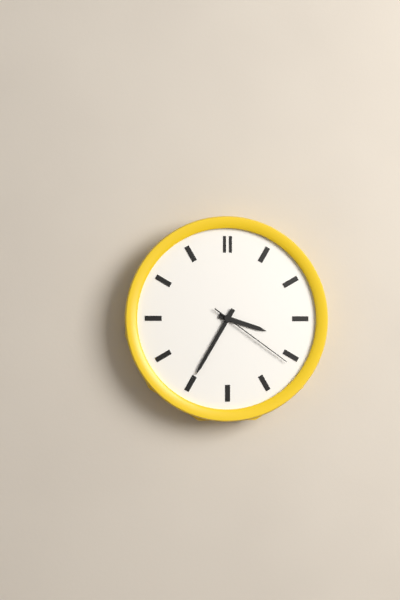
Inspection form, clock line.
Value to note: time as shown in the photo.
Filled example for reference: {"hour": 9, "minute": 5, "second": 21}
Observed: {"hour": 3, "minute": 35, "second": 21}
